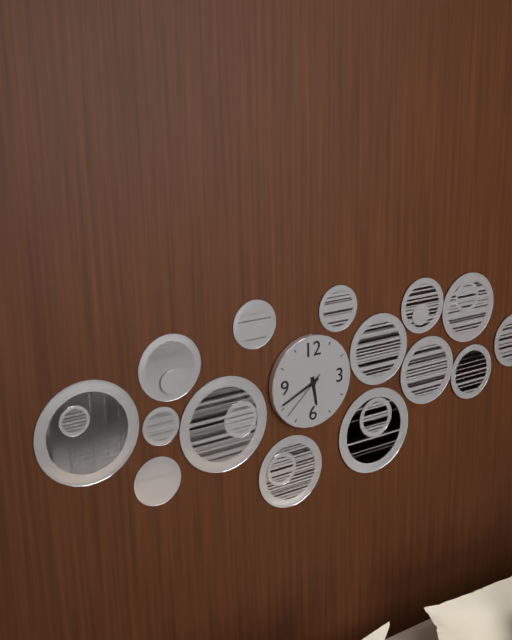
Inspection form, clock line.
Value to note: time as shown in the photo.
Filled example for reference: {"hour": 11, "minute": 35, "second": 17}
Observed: {"hour": 5, "minute": 41, "second": 38}
